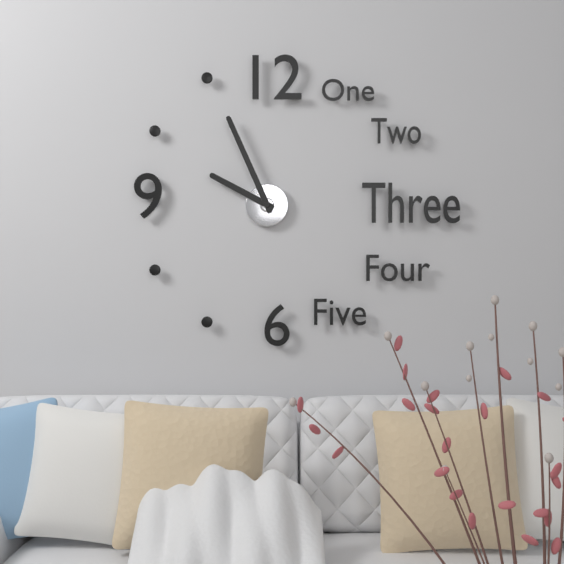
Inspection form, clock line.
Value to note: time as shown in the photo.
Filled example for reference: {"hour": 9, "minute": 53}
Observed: {"hour": 9, "minute": 56}
